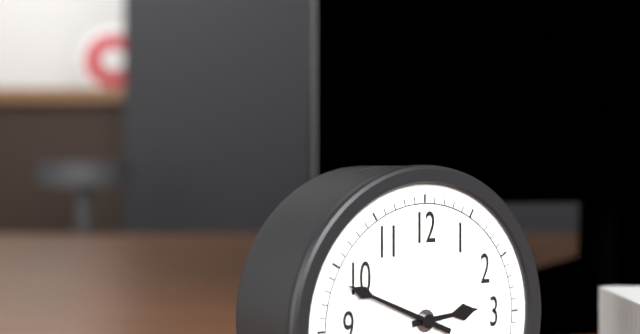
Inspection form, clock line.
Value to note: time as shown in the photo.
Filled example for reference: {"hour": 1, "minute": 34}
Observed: {"hour": 2, "minute": 49}
